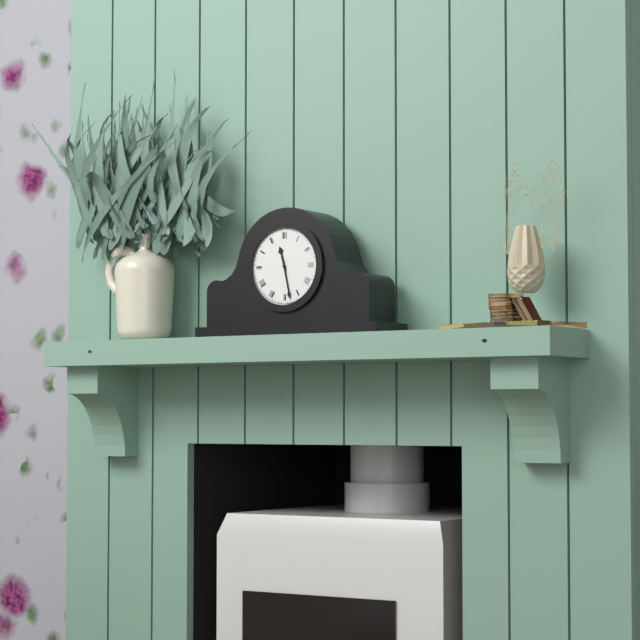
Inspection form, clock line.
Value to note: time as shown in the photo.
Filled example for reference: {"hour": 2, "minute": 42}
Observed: {"hour": 11, "minute": 28}
